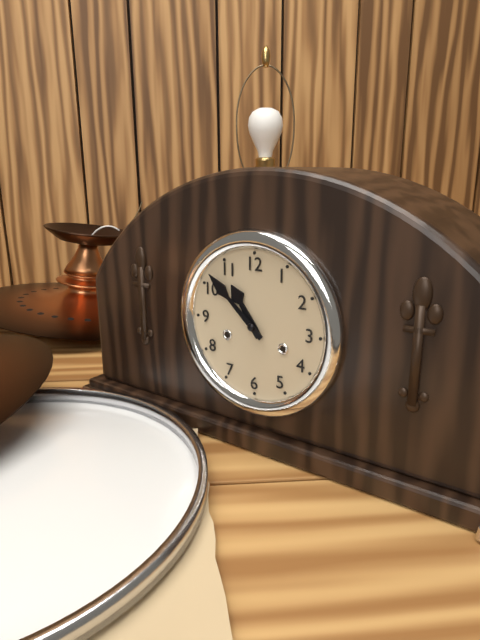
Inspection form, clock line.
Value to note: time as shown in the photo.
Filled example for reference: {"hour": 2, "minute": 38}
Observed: {"hour": 10, "minute": 52}
